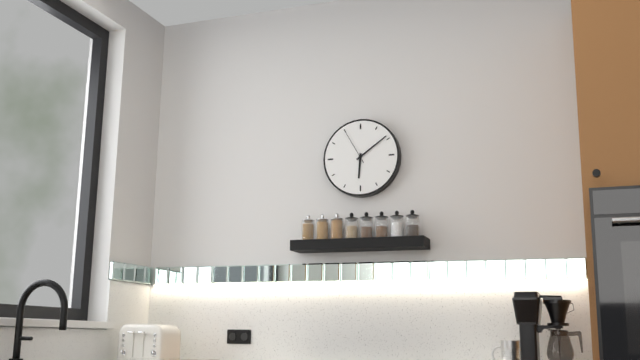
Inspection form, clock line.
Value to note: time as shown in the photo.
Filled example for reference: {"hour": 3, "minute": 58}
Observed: {"hour": 6, "minute": 9}
